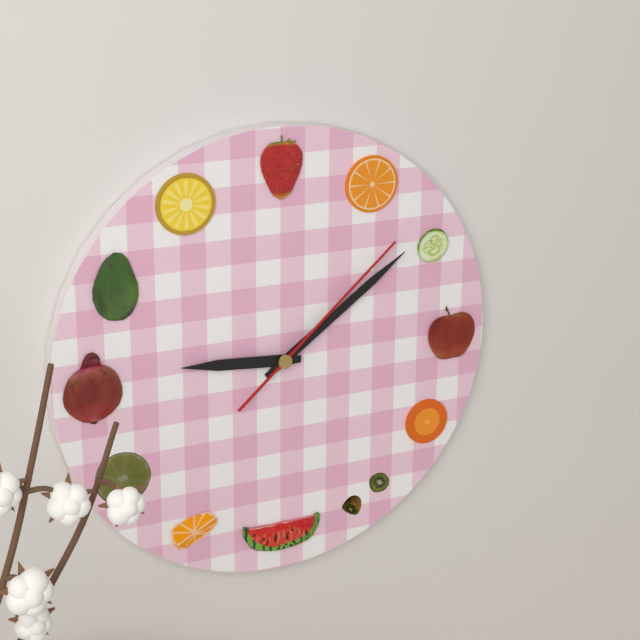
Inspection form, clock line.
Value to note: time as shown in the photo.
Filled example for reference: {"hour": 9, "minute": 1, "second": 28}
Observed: {"hour": 9, "minute": 9, "second": 8}
